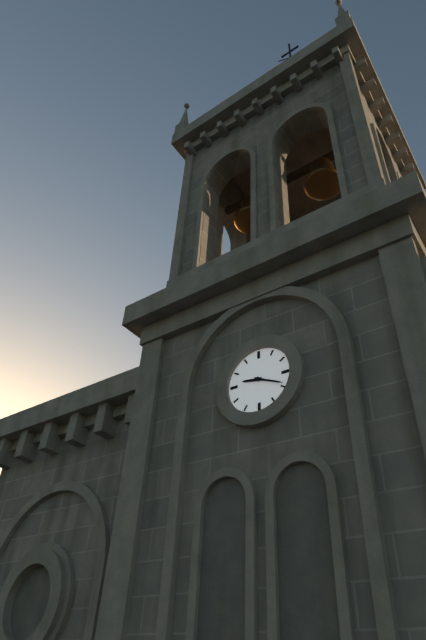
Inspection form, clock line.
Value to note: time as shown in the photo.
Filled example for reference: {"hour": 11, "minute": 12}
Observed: {"hour": 9, "minute": 19}
